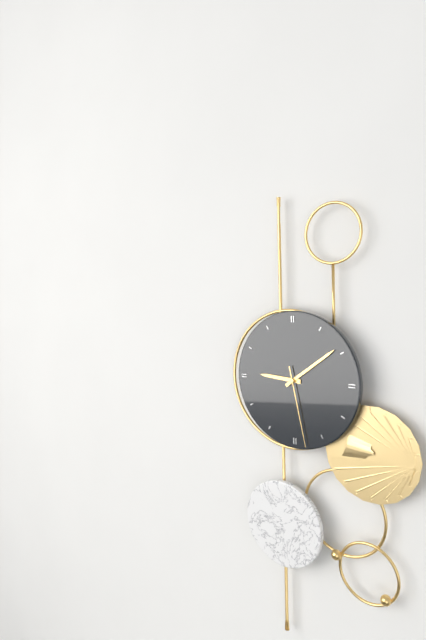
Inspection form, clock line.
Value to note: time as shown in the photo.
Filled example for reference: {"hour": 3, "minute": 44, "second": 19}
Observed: {"hour": 9, "minute": 9, "second": 28}
